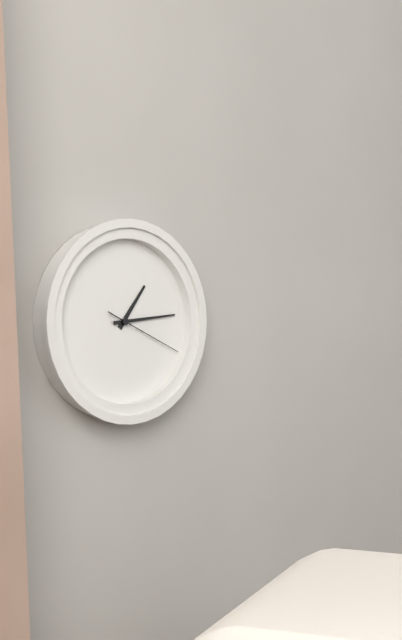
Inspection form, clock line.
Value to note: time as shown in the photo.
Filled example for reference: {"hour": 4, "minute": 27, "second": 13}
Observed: {"hour": 1, "minute": 14, "second": 19}
